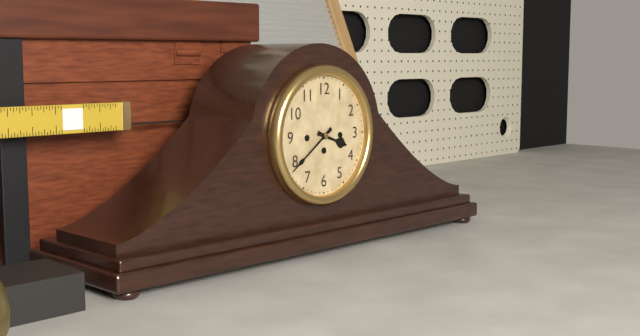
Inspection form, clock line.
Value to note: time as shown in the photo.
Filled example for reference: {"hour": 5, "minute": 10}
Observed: {"hour": 3, "minute": 39}
